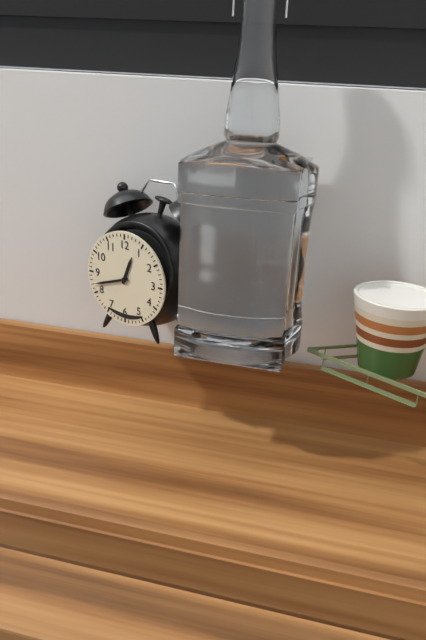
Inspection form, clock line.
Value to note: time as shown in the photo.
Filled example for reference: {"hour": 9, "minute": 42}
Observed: {"hour": 12, "minute": 42}
